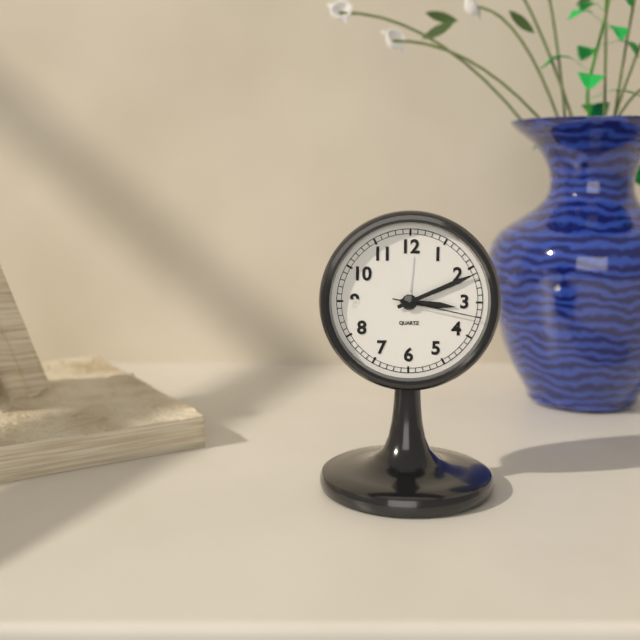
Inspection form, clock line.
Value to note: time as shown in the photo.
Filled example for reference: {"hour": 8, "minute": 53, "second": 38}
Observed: {"hour": 3, "minute": 11, "second": 17}
